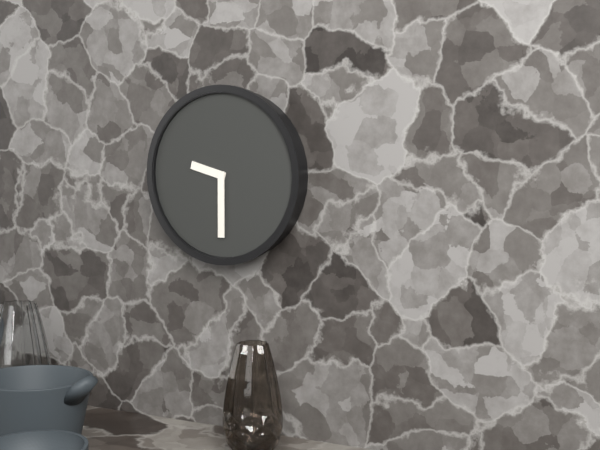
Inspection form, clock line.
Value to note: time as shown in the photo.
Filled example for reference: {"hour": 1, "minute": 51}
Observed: {"hour": 9, "minute": 30}
